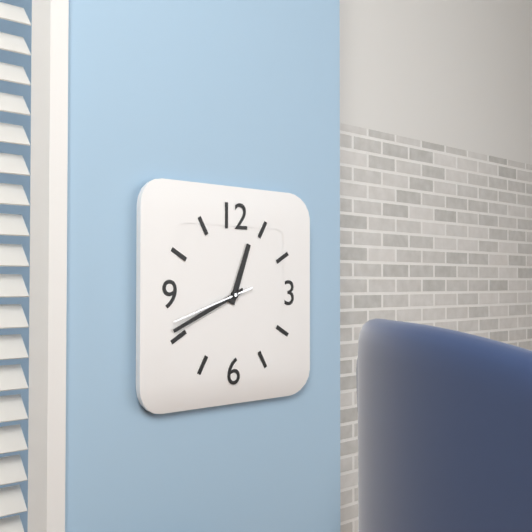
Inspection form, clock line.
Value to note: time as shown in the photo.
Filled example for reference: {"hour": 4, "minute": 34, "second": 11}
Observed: {"hour": 12, "minute": 41, "second": 42}
